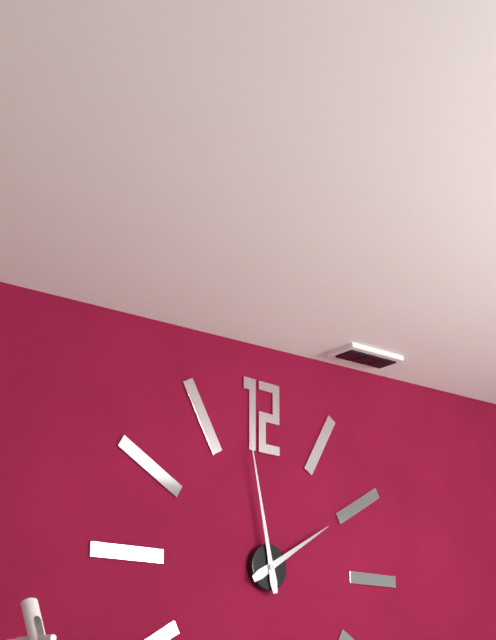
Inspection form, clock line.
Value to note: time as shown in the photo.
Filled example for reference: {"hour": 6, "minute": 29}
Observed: {"hour": 1, "minute": 58}
